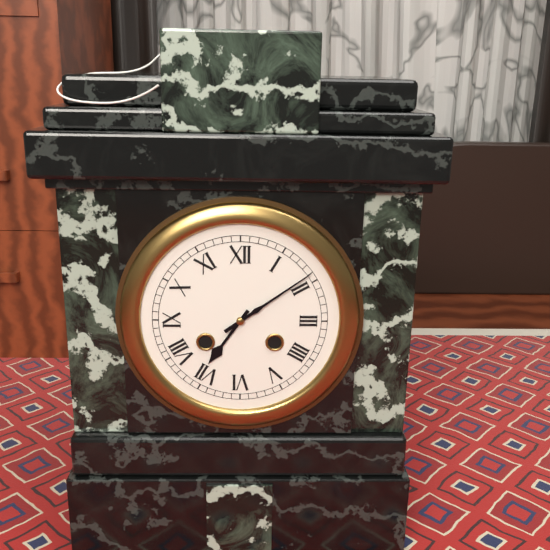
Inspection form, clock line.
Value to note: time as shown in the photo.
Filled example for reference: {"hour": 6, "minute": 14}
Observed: {"hour": 7, "minute": 9}
